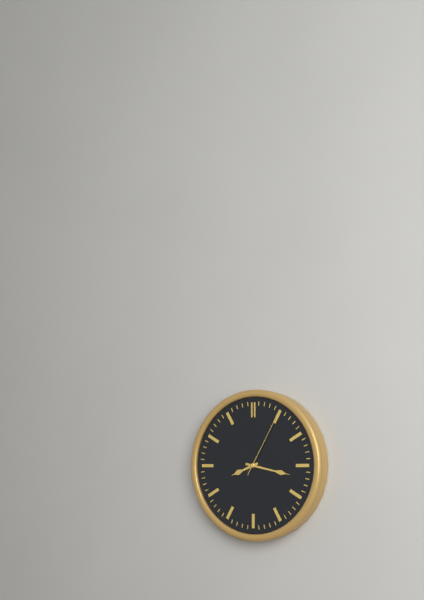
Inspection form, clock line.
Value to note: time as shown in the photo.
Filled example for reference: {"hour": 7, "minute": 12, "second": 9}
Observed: {"hour": 8, "minute": 17, "second": 5}
